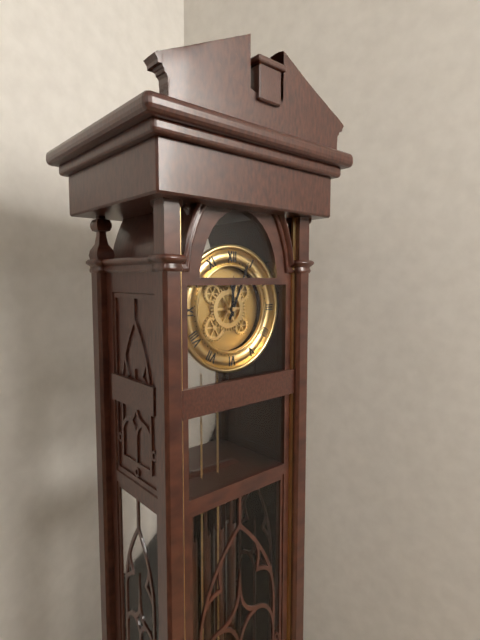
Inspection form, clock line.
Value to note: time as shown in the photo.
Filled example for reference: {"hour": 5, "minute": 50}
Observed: {"hour": 12, "minute": 4}
